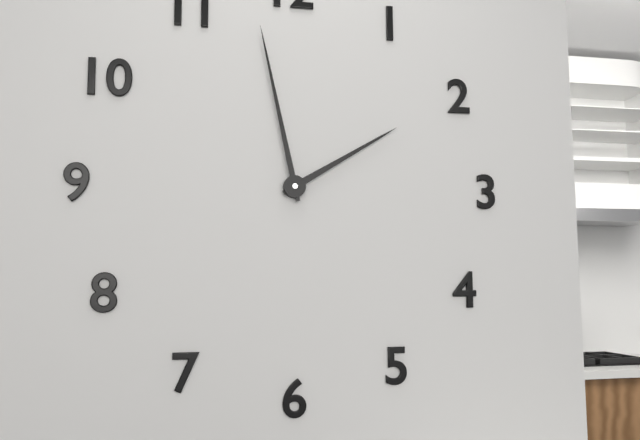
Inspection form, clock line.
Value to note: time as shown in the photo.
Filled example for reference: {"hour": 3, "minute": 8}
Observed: {"hour": 1, "minute": 58}
